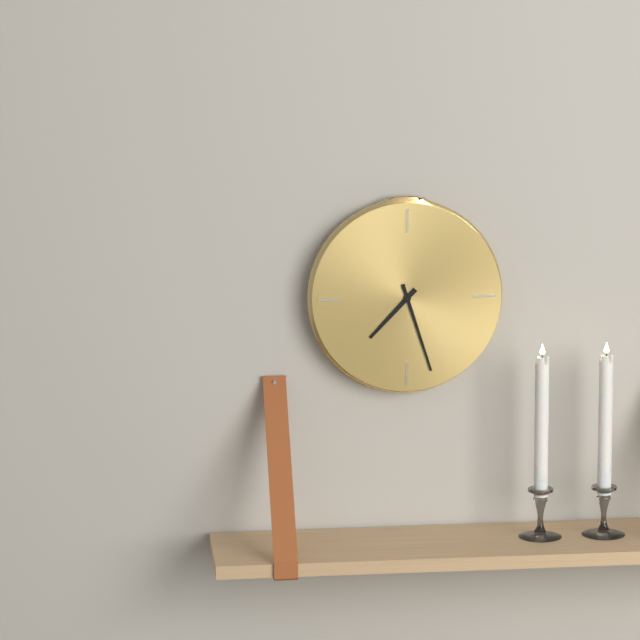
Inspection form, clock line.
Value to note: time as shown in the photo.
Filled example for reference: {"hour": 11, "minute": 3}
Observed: {"hour": 7, "minute": 27}
